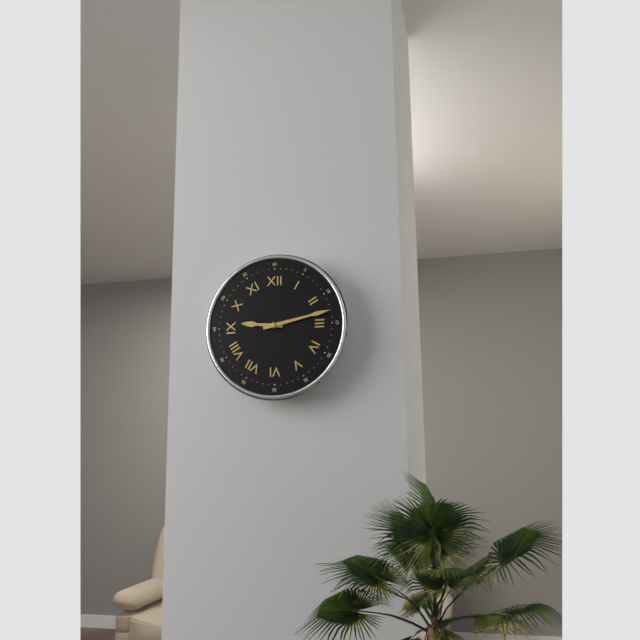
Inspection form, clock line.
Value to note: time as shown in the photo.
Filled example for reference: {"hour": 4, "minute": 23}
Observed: {"hour": 9, "minute": 13}
